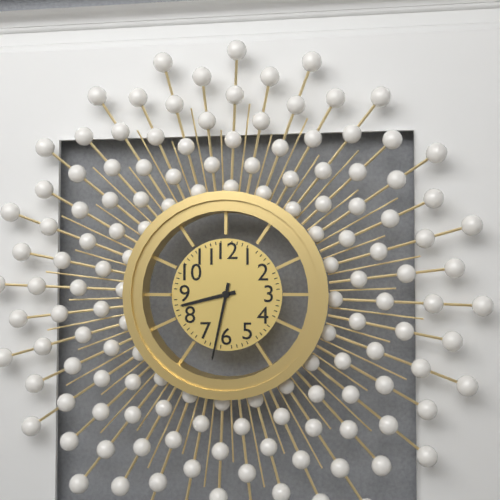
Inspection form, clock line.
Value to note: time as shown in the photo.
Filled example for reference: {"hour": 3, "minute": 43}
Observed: {"hour": 8, "minute": 32}
